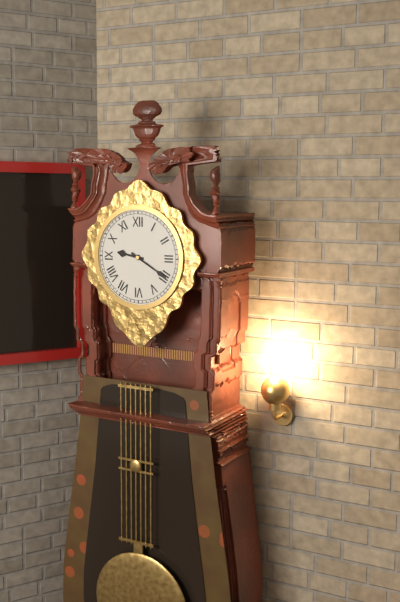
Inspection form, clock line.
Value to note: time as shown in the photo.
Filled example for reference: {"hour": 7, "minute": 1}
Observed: {"hour": 9, "minute": 20}
